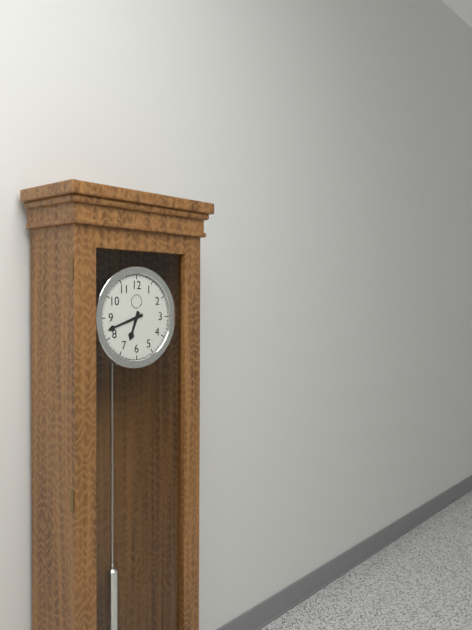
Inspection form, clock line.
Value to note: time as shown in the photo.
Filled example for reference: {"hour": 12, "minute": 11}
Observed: {"hour": 6, "minute": 42}
